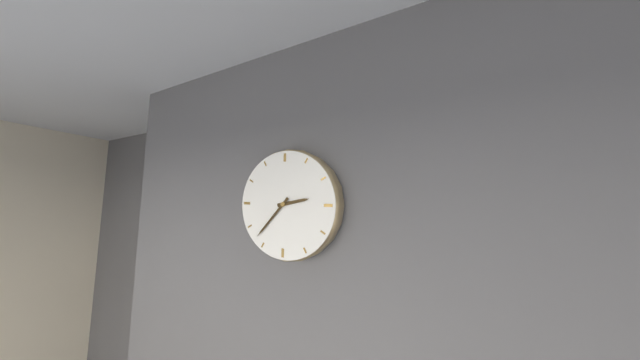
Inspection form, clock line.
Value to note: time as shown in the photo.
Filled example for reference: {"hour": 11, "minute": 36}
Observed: {"hour": 2, "minute": 37}
